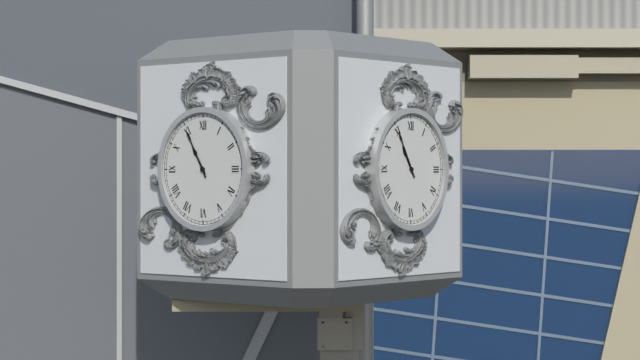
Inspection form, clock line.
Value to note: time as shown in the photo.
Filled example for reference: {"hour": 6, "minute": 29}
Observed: {"hour": 10, "minute": 55}
